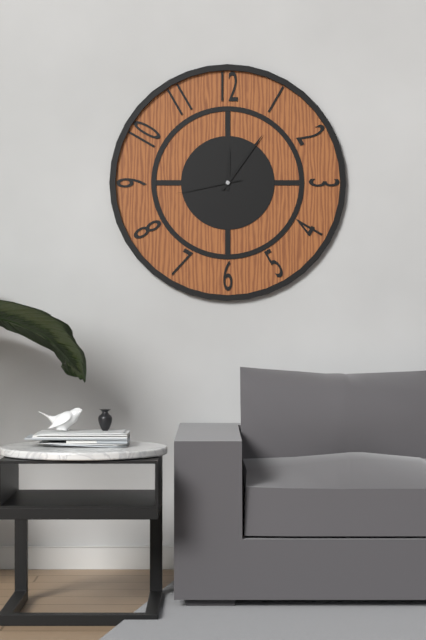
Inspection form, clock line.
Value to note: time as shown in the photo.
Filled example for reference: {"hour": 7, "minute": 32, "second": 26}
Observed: {"hour": 12, "minute": 6, "second": 43}
